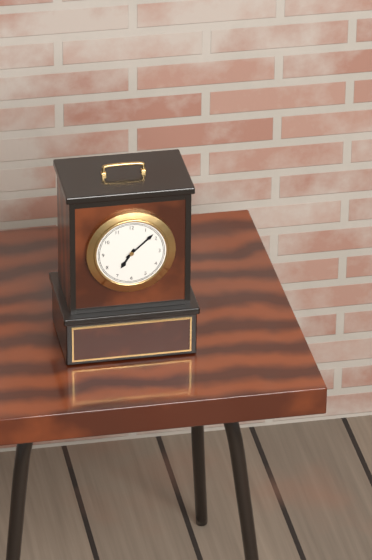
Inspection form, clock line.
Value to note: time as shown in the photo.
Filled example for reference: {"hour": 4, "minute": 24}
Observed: {"hour": 7, "minute": 8}
